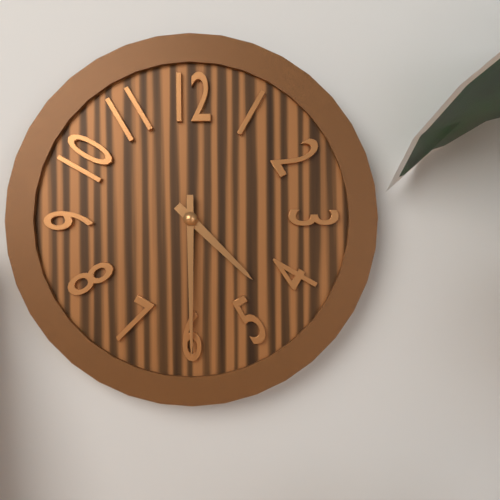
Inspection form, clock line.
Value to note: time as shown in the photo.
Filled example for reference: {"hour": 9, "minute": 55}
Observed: {"hour": 4, "minute": 30}
